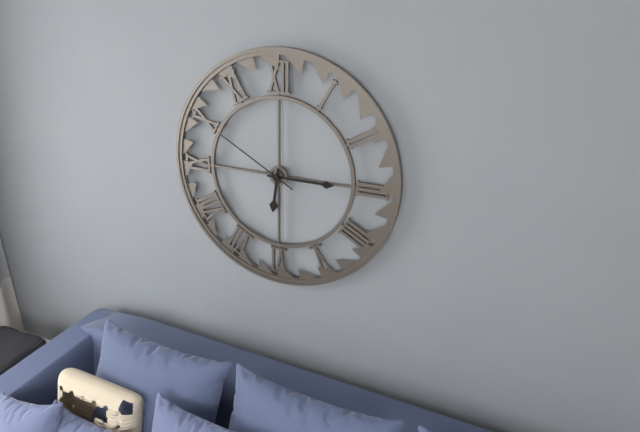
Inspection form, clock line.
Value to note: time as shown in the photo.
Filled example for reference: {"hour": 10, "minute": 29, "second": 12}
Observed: {"hour": 6, "minute": 15, "second": 50}
